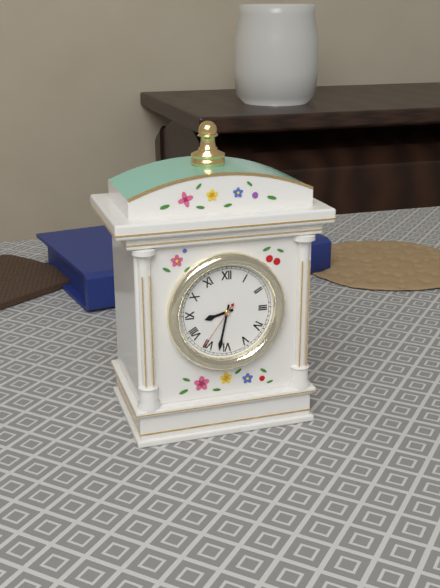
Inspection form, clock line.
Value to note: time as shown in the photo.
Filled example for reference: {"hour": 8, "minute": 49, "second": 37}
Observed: {"hour": 8, "minute": 32, "second": 36}
